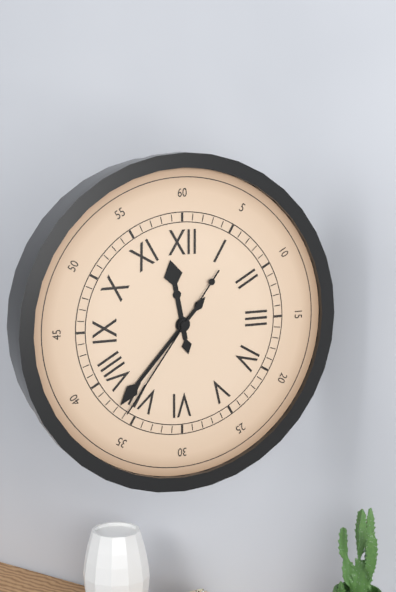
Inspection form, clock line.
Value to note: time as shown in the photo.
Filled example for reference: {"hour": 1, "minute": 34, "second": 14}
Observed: {"hour": 11, "minute": 37, "second": 36}
